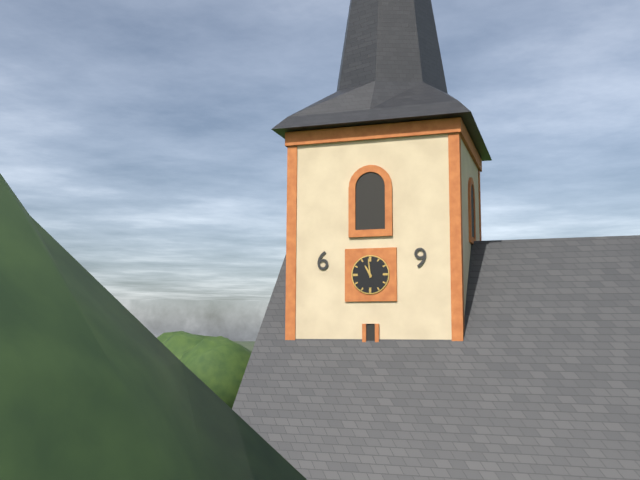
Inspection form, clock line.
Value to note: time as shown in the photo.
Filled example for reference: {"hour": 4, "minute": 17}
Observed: {"hour": 10, "minute": 59}
